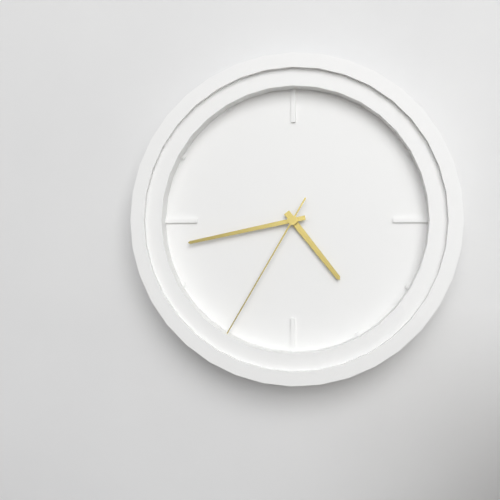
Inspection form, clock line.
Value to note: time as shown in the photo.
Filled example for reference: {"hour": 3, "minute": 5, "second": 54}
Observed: {"hour": 4, "minute": 43, "second": 35}
